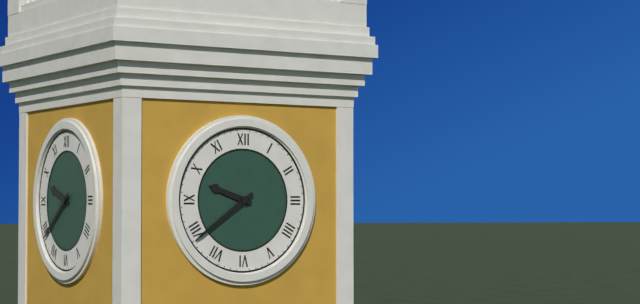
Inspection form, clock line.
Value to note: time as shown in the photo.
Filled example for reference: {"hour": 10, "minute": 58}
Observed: {"hour": 9, "minute": 39}
